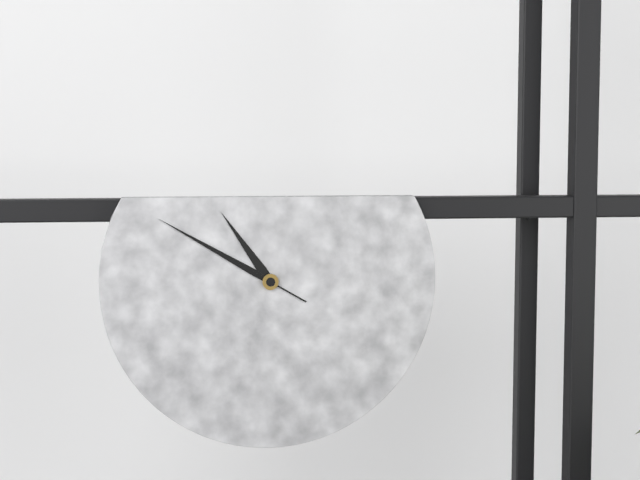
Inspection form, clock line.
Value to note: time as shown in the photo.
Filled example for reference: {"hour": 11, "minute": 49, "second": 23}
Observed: {"hour": 10, "minute": 50, "second": 50}
